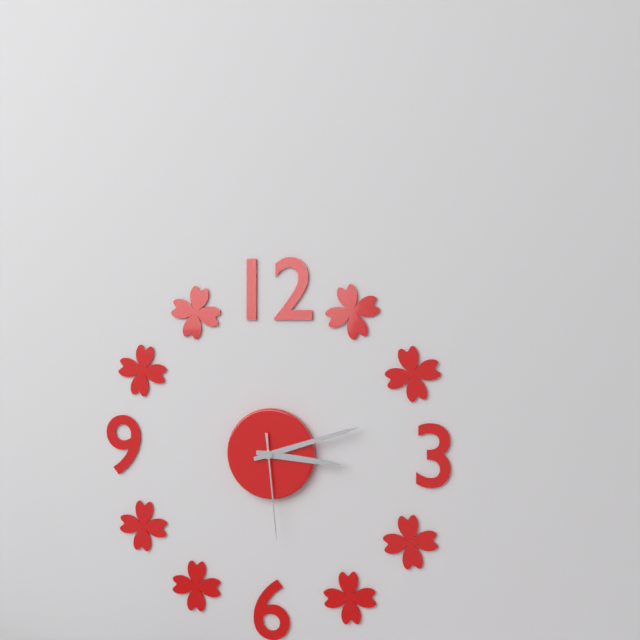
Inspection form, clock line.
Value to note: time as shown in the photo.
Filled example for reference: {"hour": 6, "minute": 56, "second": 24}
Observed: {"hour": 3, "minute": 12, "second": 29}
